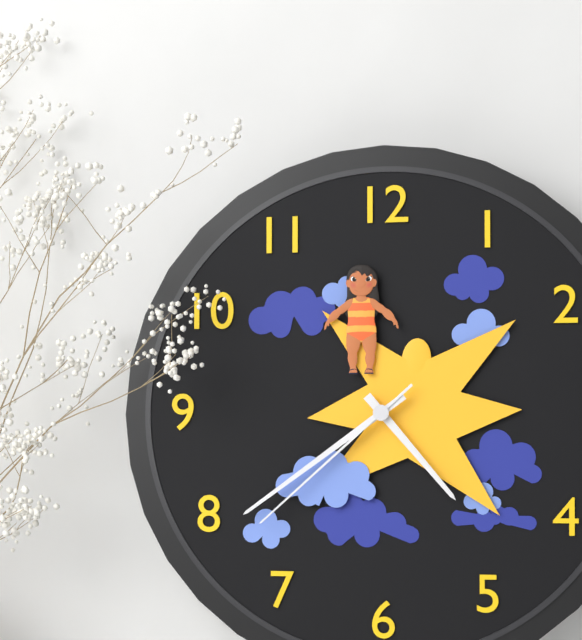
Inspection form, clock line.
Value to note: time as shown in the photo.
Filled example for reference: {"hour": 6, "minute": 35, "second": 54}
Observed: {"hour": 4, "minute": 39, "second": 38}
